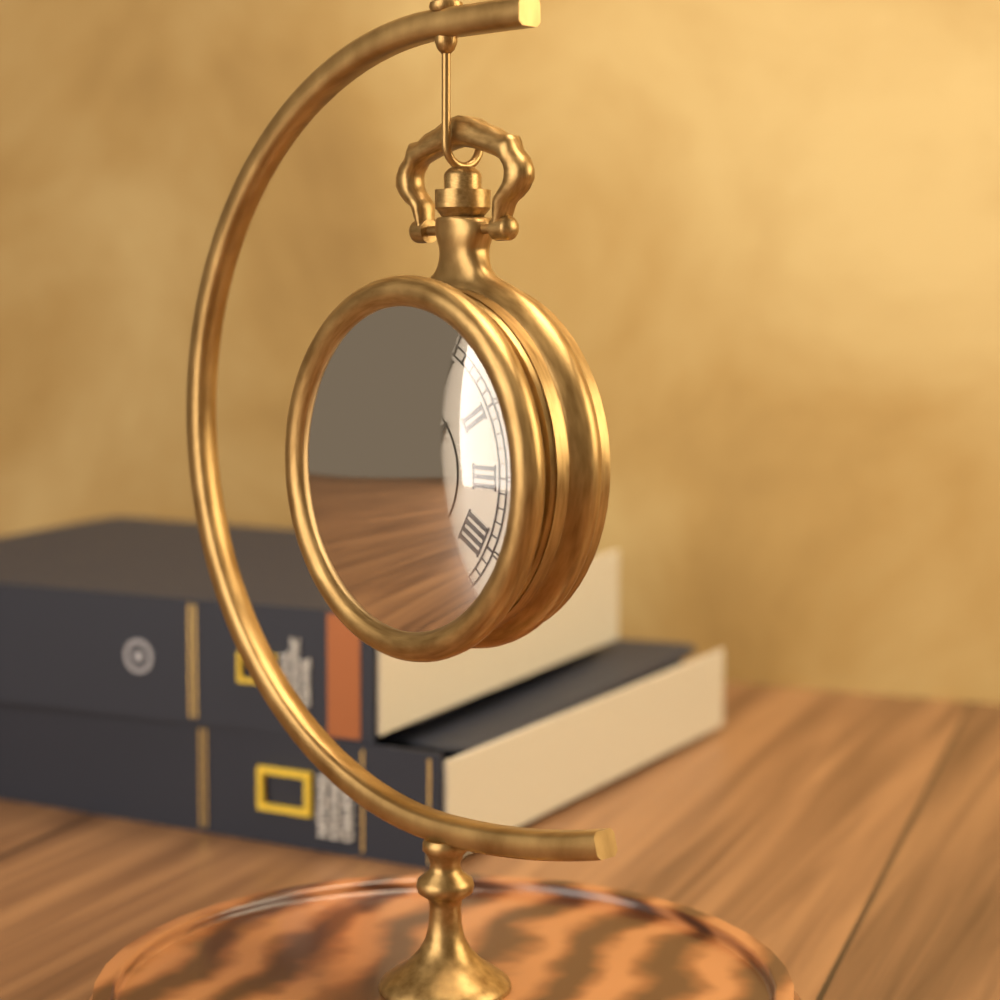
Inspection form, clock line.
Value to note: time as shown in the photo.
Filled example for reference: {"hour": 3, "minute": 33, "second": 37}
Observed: {"hour": 1, "minute": 40, "second": 25}
